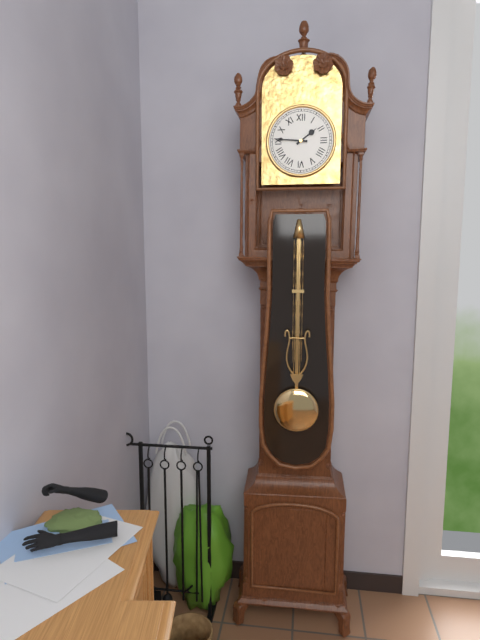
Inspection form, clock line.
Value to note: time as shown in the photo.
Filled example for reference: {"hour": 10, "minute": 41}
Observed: {"hour": 1, "minute": 46}
